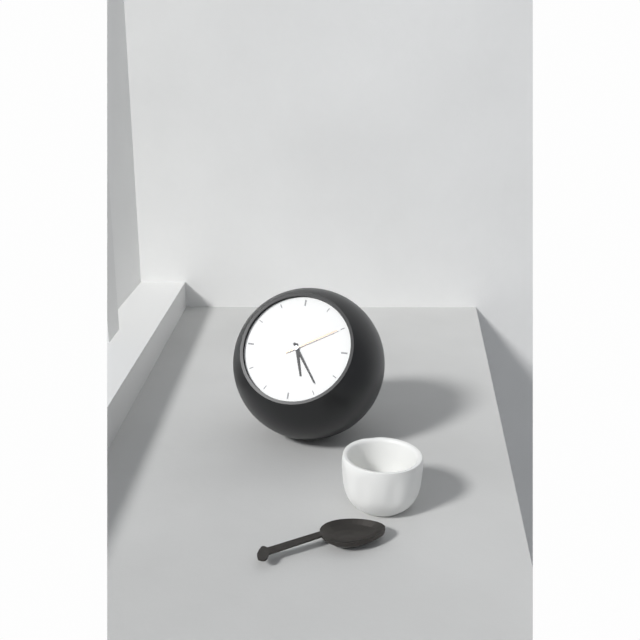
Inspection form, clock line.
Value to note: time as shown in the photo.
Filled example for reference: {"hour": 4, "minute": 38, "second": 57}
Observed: {"hour": 5, "minute": 24, "second": 10}
